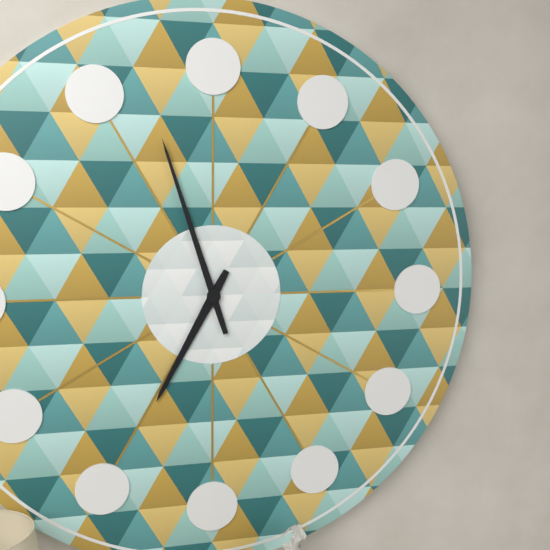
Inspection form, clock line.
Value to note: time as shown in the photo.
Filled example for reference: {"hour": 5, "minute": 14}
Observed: {"hour": 6, "minute": 57}
